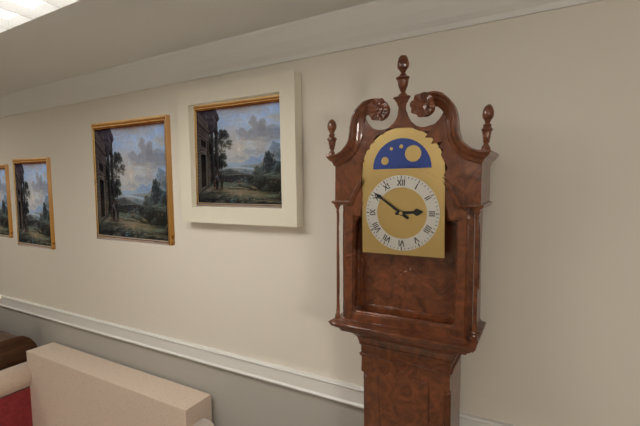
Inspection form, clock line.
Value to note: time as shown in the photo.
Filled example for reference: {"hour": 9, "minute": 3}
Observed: {"hour": 2, "minute": 51}
